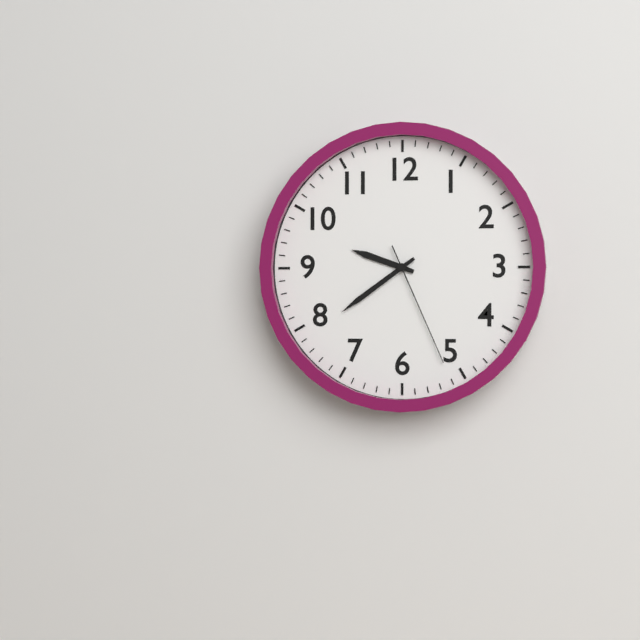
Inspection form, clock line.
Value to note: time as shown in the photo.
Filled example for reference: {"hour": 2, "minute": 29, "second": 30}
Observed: {"hour": 9, "minute": 39, "second": 26}
